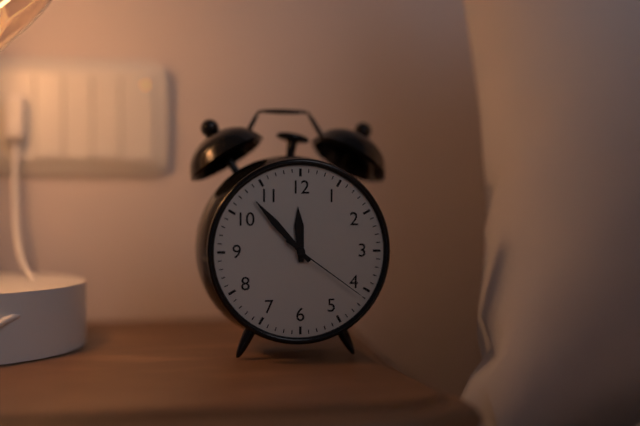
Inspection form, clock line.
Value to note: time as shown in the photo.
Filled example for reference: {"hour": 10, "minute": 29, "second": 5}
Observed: {"hour": 11, "minute": 53, "second": 21}
